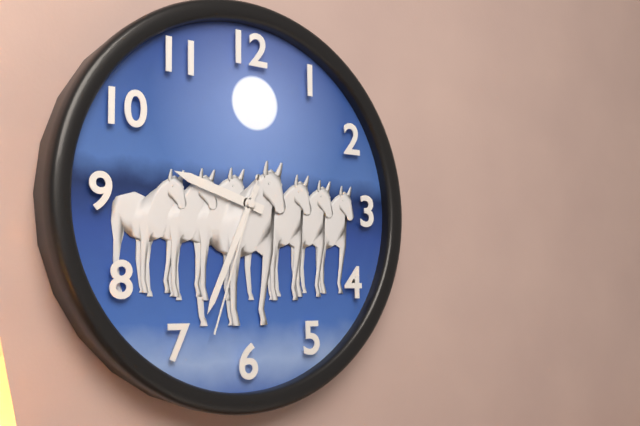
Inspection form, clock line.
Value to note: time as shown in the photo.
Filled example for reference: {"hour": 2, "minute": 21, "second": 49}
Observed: {"hour": 9, "minute": 34, "second": 33}
